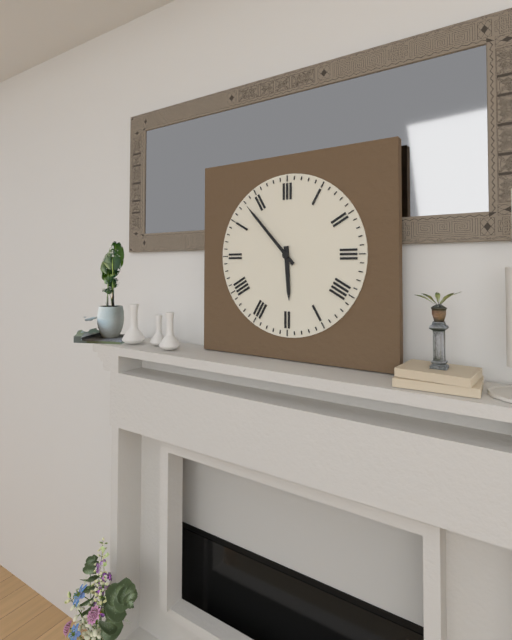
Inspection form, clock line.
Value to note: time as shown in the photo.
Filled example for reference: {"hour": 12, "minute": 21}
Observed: {"hour": 5, "minute": 53}
